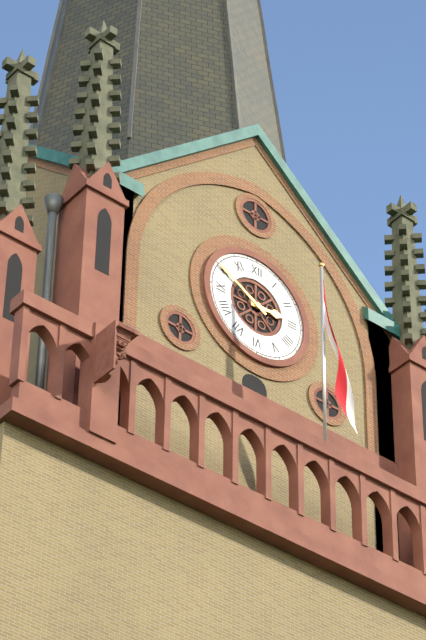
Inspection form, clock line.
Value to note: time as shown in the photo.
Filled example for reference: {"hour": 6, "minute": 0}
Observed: {"hour": 2, "minute": 50}
